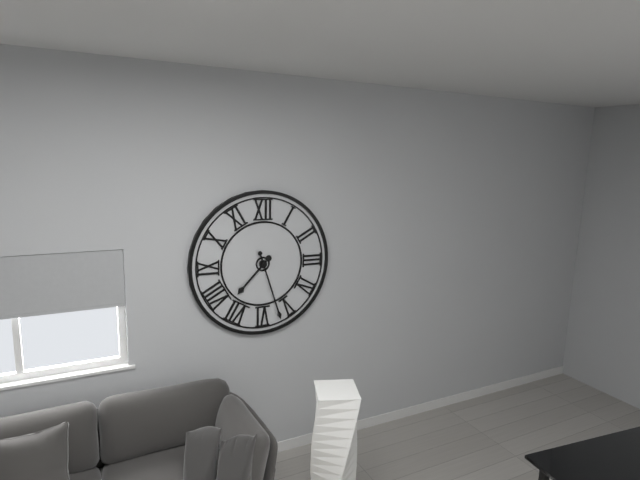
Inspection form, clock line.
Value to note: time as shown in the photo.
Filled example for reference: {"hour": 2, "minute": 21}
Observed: {"hour": 7, "minute": 27}
